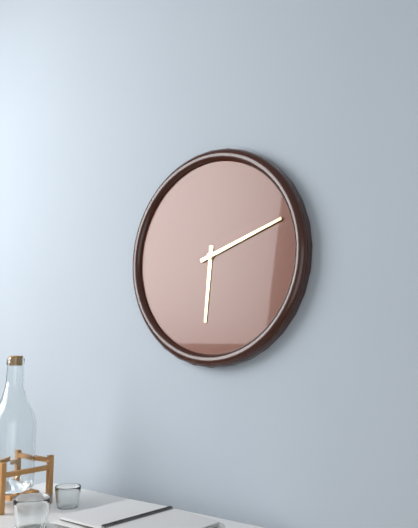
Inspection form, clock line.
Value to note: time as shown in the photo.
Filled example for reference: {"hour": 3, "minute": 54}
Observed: {"hour": 6, "minute": 12}
